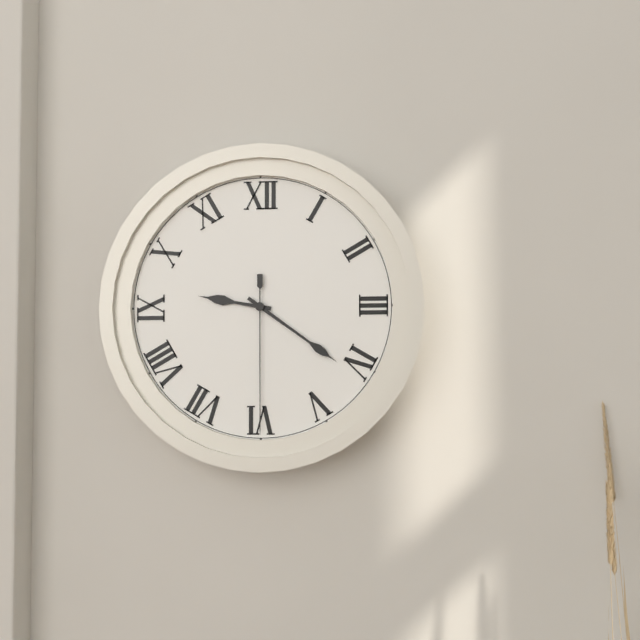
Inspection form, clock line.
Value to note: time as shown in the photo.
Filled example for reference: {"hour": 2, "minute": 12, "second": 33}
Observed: {"hour": 9, "minute": 21, "second": 30}
